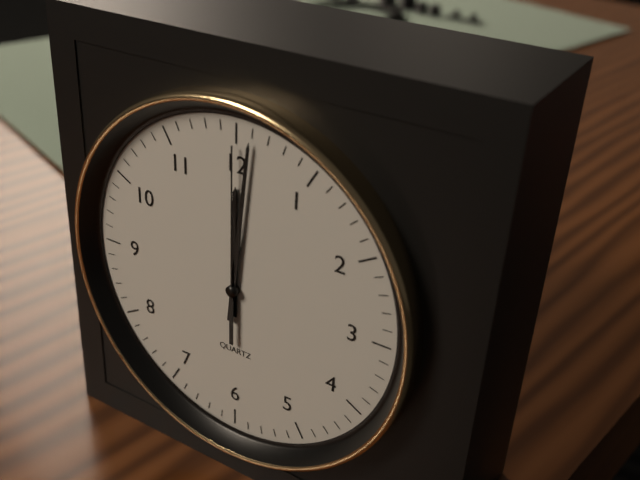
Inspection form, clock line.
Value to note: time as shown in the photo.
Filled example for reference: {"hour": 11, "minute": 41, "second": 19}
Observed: {"hour": 12, "minute": 1, "second": 0}
